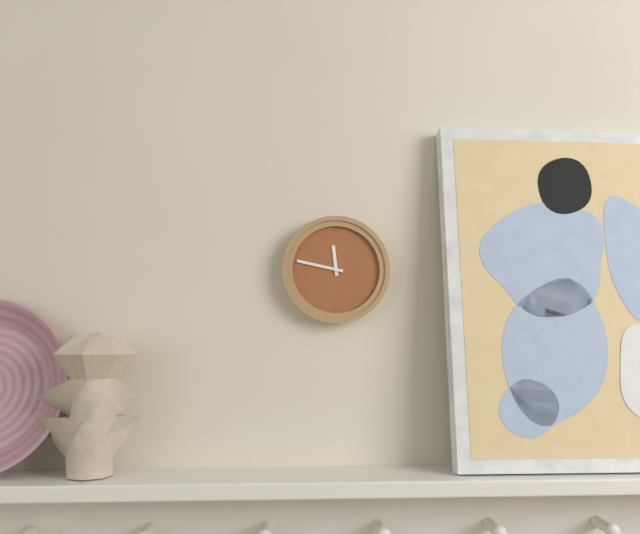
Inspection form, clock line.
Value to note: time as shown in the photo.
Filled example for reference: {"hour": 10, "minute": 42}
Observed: {"hour": 11, "minute": 47}
